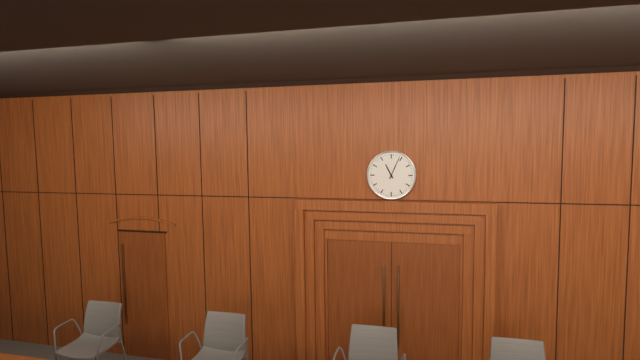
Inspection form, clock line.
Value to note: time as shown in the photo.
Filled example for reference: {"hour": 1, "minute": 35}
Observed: {"hour": 11, "minute": 4}
